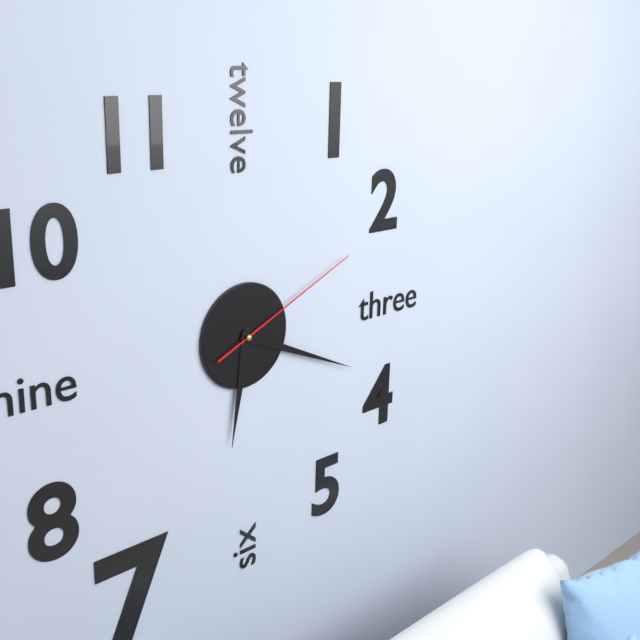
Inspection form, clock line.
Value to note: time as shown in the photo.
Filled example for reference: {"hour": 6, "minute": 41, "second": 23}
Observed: {"hour": 6, "minute": 19, "second": 11}
